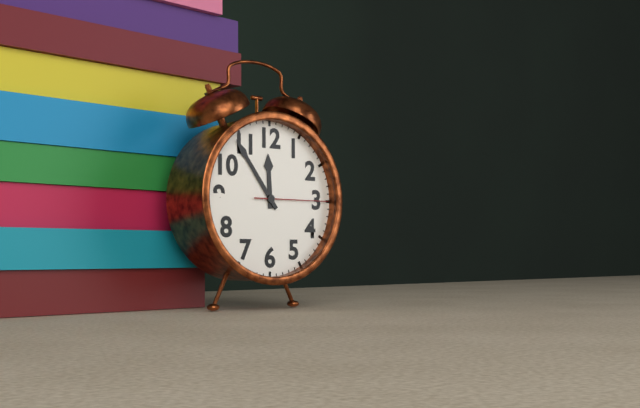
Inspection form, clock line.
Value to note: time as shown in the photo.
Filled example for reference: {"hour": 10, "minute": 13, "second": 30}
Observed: {"hour": 11, "minute": 54, "second": 15}
